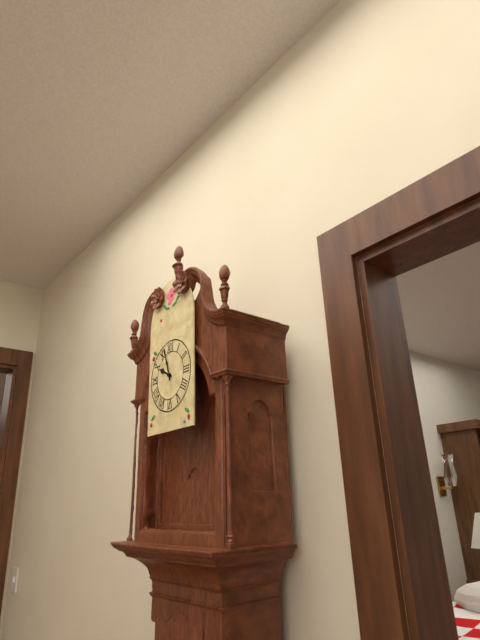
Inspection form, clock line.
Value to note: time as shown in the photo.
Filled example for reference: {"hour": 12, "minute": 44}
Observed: {"hour": 9, "minute": 57}
